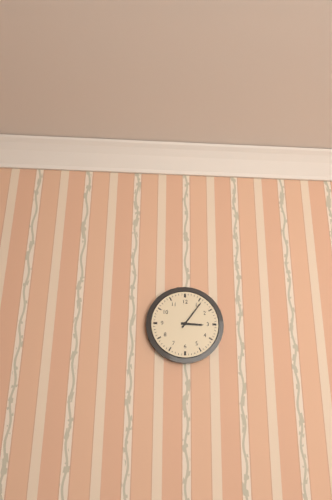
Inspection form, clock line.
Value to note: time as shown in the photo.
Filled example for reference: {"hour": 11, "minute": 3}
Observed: {"hour": 3, "minute": 6}
